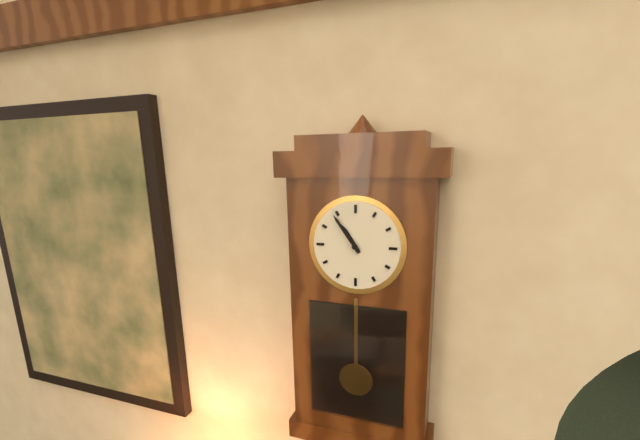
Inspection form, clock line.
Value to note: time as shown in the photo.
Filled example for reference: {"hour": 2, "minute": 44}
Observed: {"hour": 10, "minute": 54}
